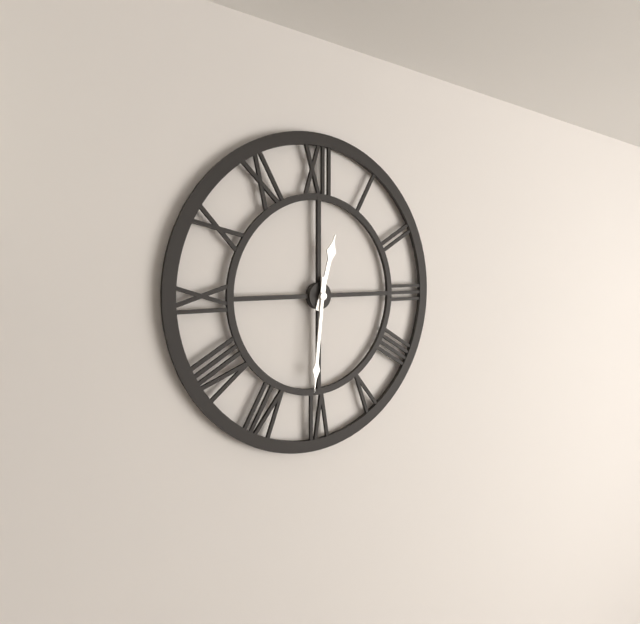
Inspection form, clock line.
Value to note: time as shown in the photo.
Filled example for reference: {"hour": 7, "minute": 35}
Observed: {"hour": 12, "minute": 31}
